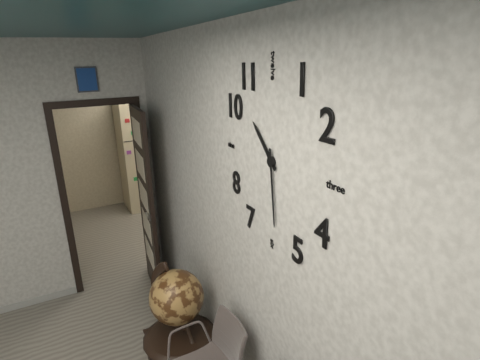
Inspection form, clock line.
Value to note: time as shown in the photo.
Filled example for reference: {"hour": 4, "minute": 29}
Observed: {"hour": 10, "minute": 29}
